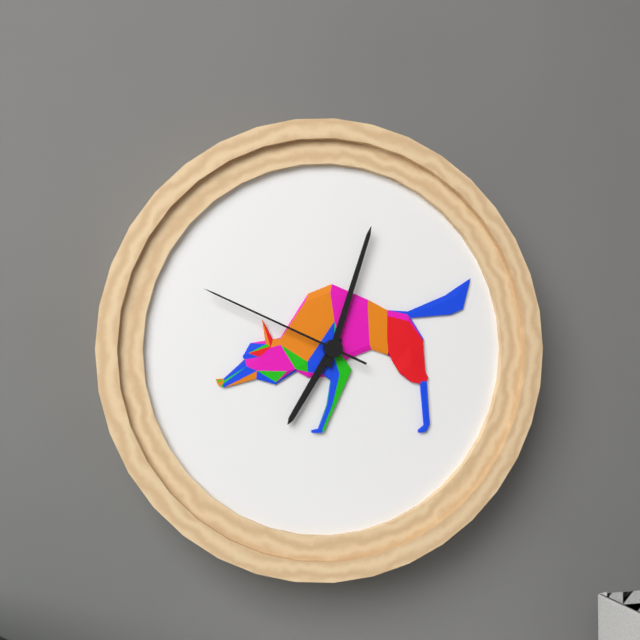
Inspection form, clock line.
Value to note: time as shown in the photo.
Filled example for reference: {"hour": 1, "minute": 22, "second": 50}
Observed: {"hour": 7, "minute": 3, "second": 49}
